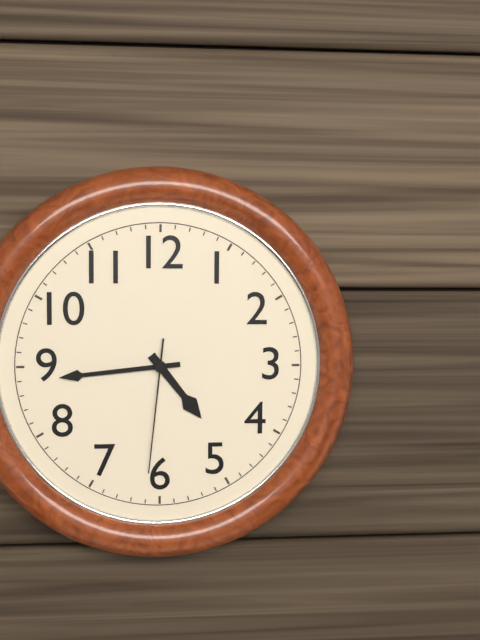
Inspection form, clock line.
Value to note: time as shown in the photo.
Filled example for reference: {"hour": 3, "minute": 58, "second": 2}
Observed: {"hour": 4, "minute": 44, "second": 31}
